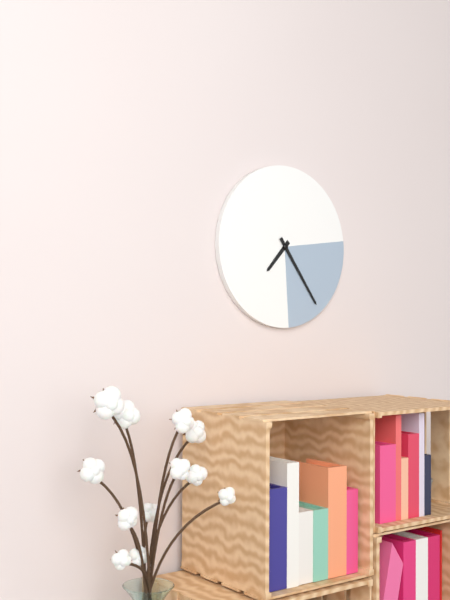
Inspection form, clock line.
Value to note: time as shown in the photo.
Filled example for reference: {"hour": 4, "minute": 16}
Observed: {"hour": 7, "minute": 24}
